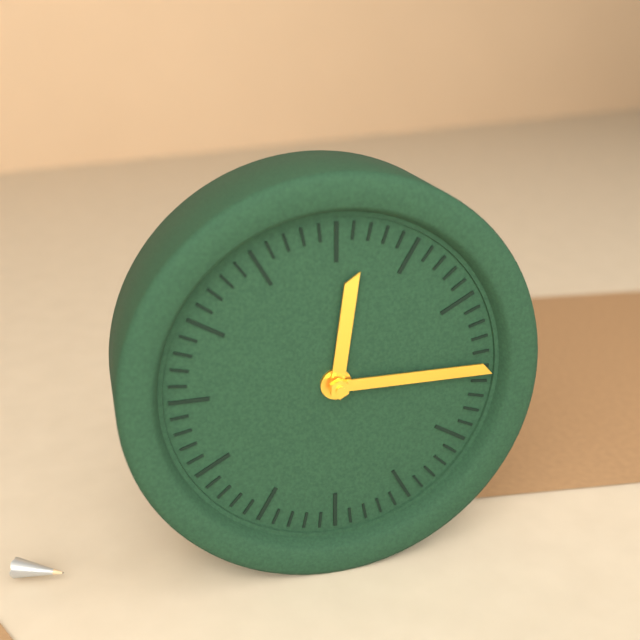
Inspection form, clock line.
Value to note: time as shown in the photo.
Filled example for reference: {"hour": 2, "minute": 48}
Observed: {"hour": 12, "minute": 15}
